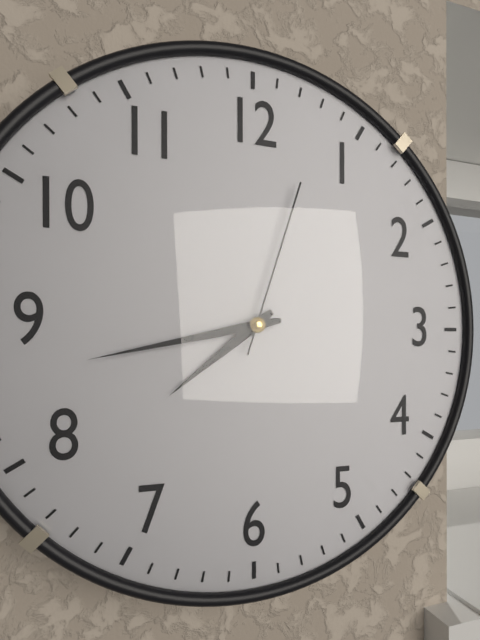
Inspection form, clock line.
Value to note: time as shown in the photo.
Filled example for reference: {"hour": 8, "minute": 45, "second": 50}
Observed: {"hour": 7, "minute": 43, "second": 3}
